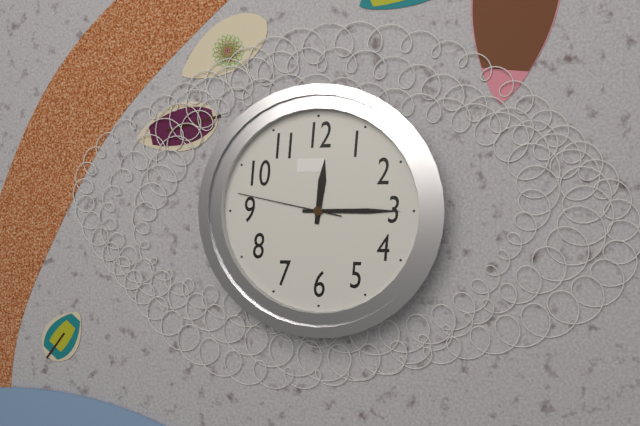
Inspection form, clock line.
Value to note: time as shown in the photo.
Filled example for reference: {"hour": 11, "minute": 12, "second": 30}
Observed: {"hour": 12, "minute": 15, "second": 47}
